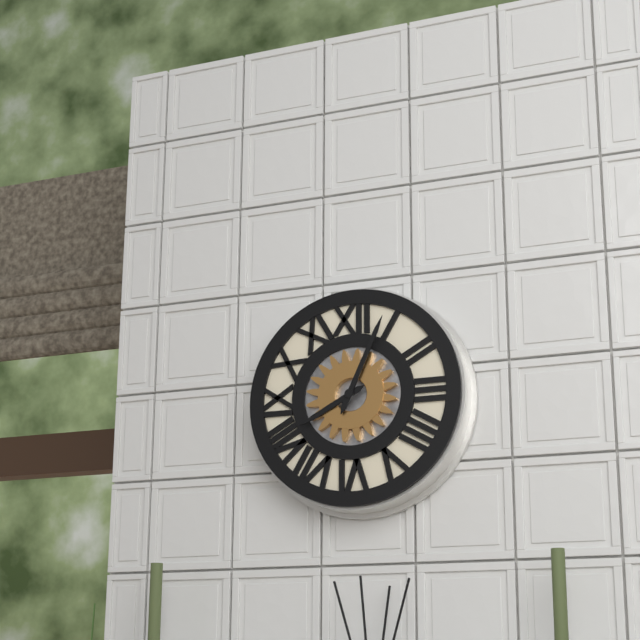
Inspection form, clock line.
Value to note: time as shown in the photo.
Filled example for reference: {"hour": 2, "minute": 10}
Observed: {"hour": 8, "minute": 4}
